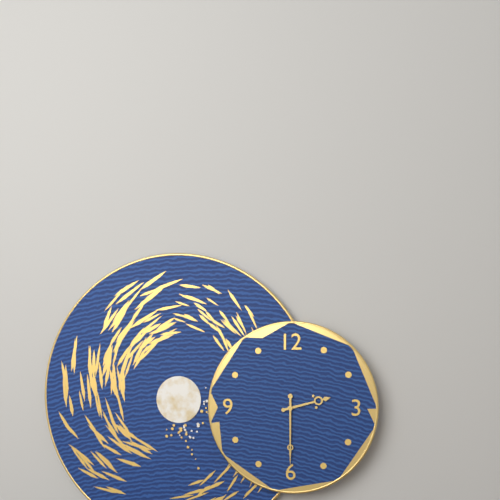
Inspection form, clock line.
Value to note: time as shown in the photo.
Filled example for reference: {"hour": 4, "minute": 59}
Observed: {"hour": 2, "minute": 30}
